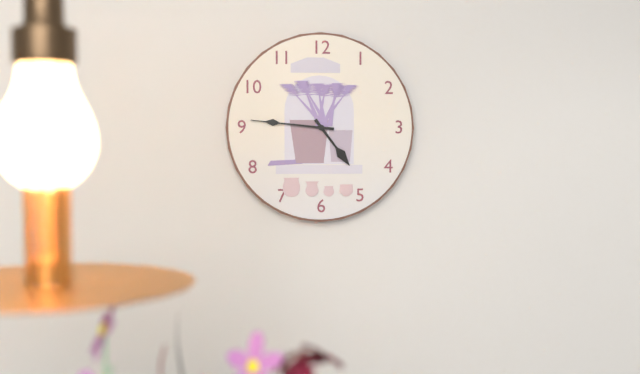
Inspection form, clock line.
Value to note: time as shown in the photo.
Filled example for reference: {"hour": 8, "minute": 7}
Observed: {"hour": 4, "minute": 46}
